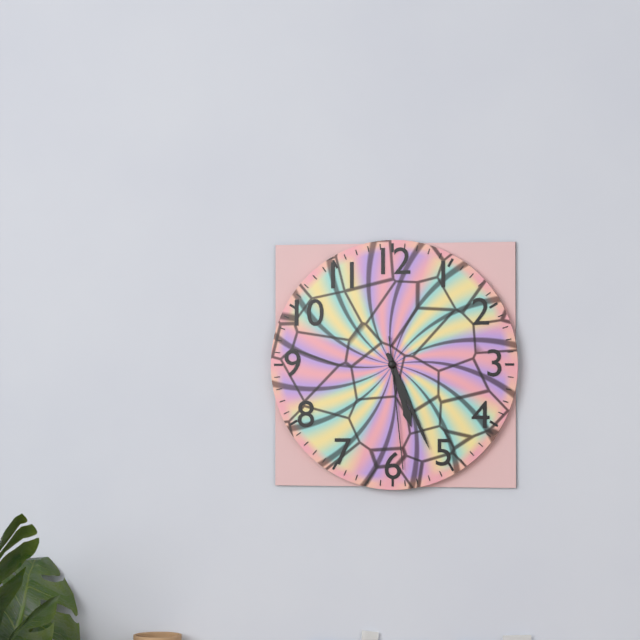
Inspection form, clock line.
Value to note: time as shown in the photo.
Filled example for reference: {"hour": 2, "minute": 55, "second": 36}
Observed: {"hour": 5, "minute": 26, "second": 29}
